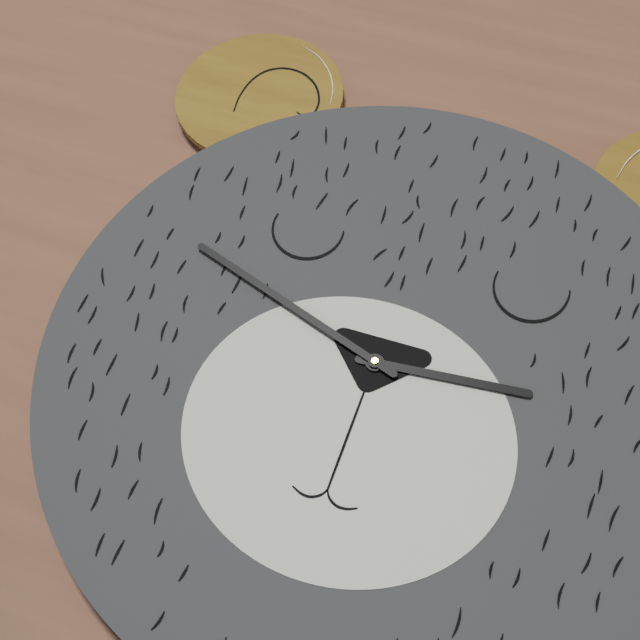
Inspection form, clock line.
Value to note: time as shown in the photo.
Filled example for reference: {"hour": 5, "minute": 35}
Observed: {"hour": 2, "minute": 48}
